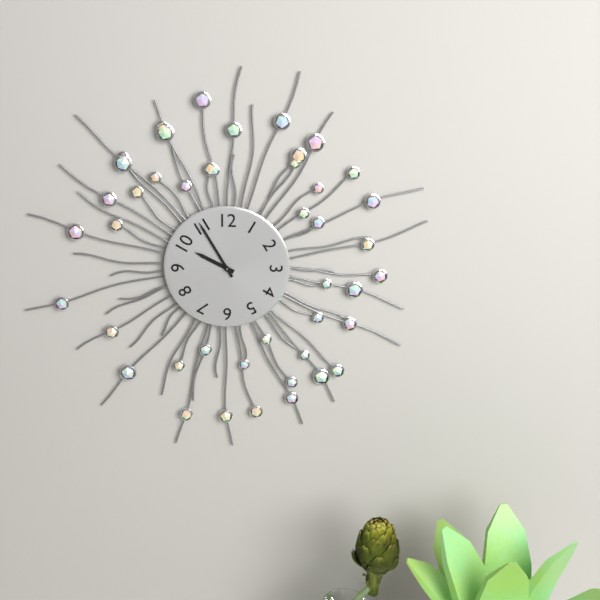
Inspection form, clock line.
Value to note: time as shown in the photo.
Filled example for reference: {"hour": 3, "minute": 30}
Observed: {"hour": 9, "minute": 55}
